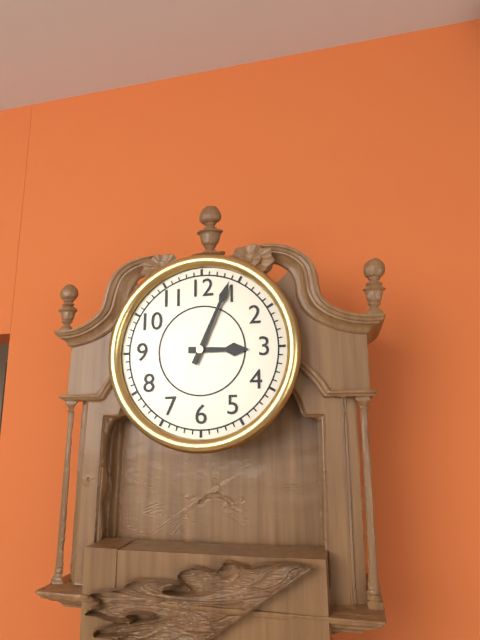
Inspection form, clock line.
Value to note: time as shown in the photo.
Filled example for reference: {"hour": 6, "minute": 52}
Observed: {"hour": 3, "minute": 4}
